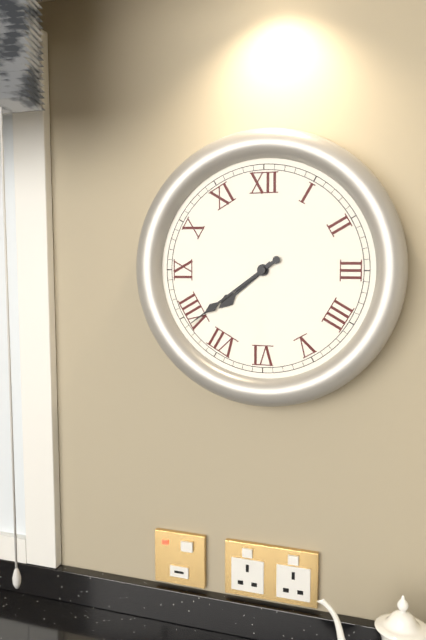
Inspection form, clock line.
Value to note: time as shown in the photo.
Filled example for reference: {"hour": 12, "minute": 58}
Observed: {"hour": 7, "minute": 39}
